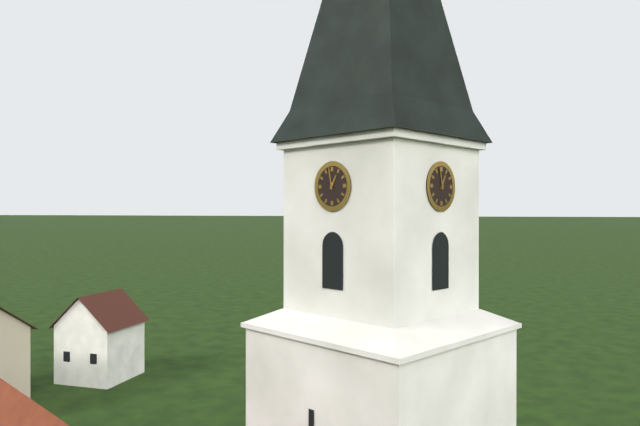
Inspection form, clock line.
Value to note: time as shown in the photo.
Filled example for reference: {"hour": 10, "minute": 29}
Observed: {"hour": 12, "minute": 58}
